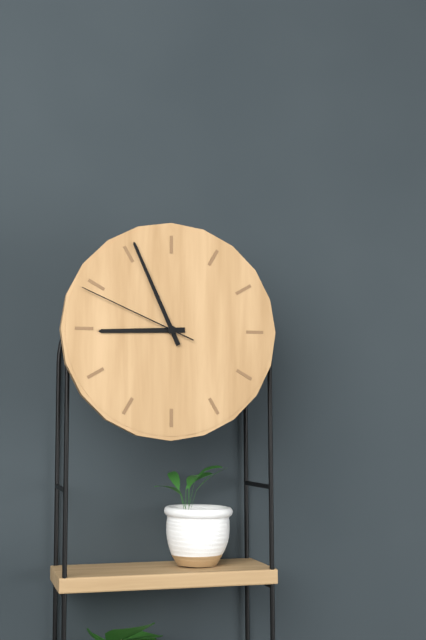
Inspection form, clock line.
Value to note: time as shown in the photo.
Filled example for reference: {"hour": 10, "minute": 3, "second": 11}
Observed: {"hour": 8, "minute": 56, "second": 49}
